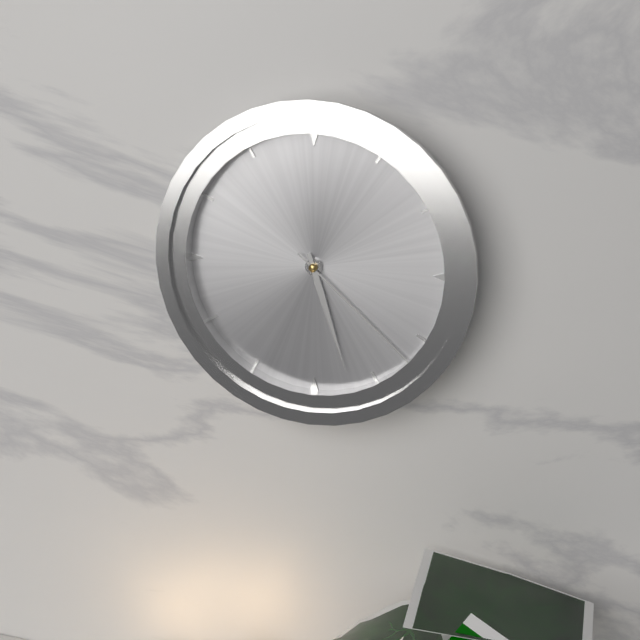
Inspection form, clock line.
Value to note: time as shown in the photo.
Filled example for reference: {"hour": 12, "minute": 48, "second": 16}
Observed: {"hour": 5, "minute": 27, "second": 22}
